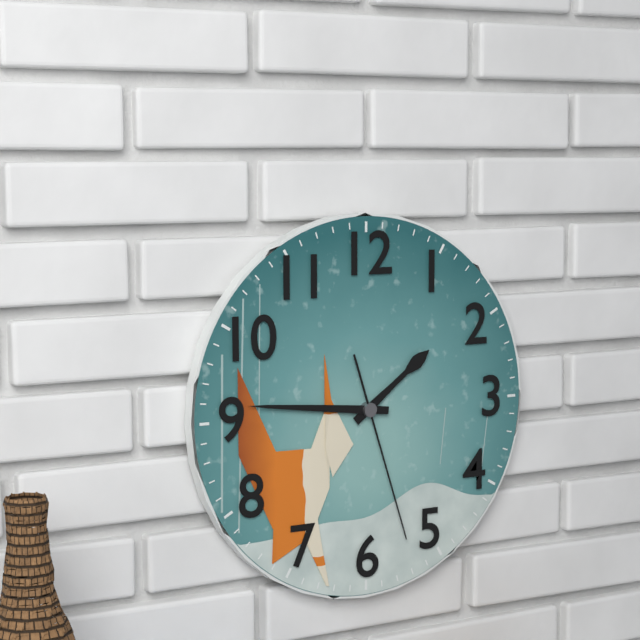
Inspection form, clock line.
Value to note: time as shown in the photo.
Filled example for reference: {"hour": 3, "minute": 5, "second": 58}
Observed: {"hour": 1, "minute": 46, "second": 27}
